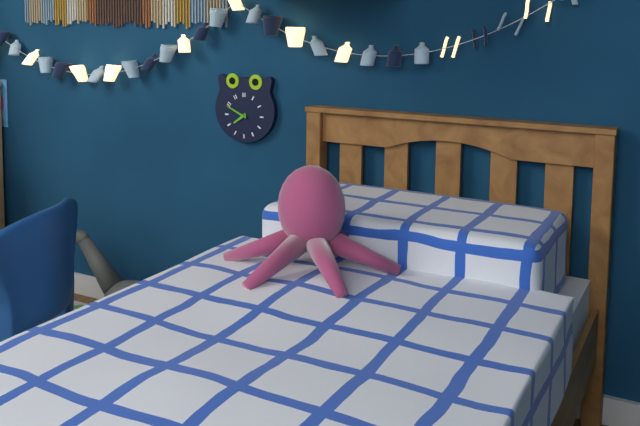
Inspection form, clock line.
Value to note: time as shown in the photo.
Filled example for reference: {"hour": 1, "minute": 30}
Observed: {"hour": 7, "minute": 49}
